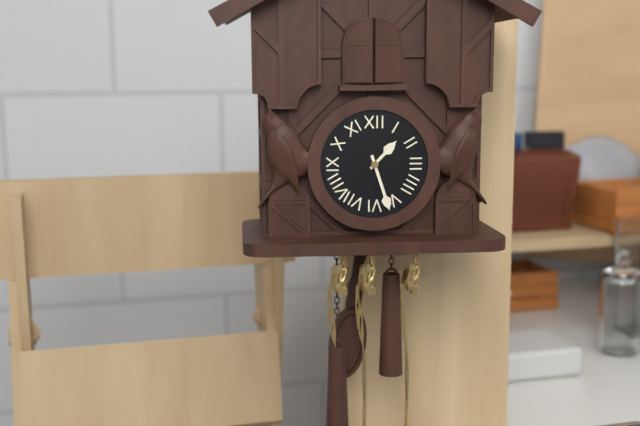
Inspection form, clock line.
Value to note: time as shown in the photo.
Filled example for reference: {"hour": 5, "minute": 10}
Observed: {"hour": 1, "minute": 27}
